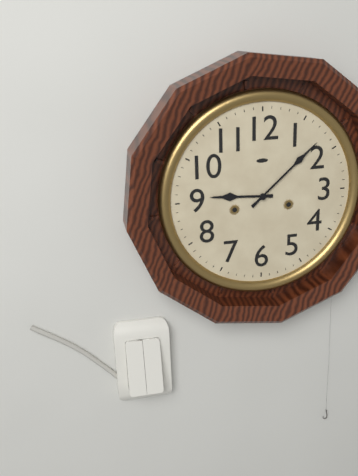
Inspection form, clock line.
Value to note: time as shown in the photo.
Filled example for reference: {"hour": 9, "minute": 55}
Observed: {"hour": 9, "minute": 8}
